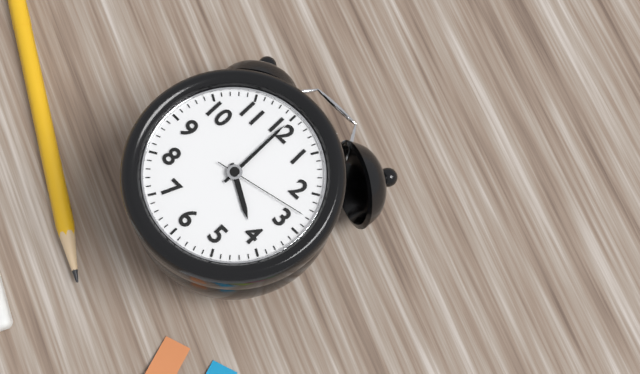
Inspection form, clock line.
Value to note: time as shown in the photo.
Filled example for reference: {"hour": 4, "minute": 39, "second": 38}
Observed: {"hour": 4, "minute": 0, "second": 13}
